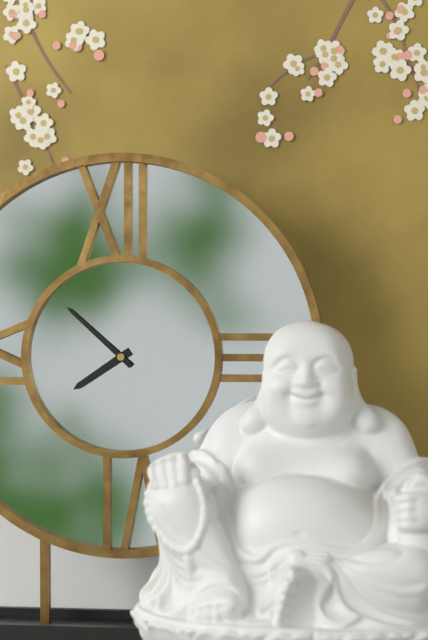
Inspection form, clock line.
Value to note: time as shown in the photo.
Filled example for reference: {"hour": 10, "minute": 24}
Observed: {"hour": 7, "minute": 52}
